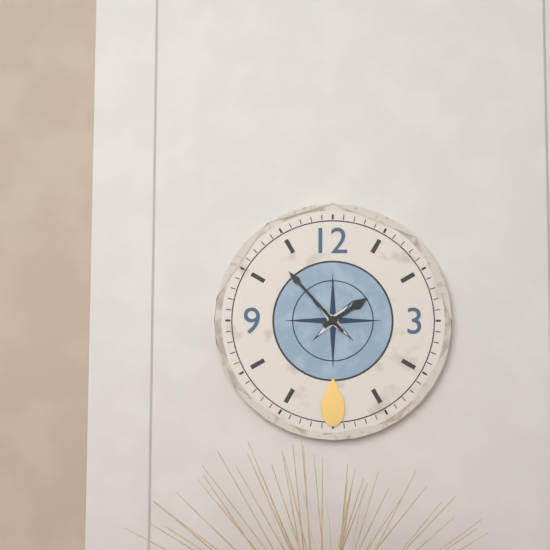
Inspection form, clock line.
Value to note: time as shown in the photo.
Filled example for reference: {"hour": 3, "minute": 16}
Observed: {"hour": 1, "minute": 53}
